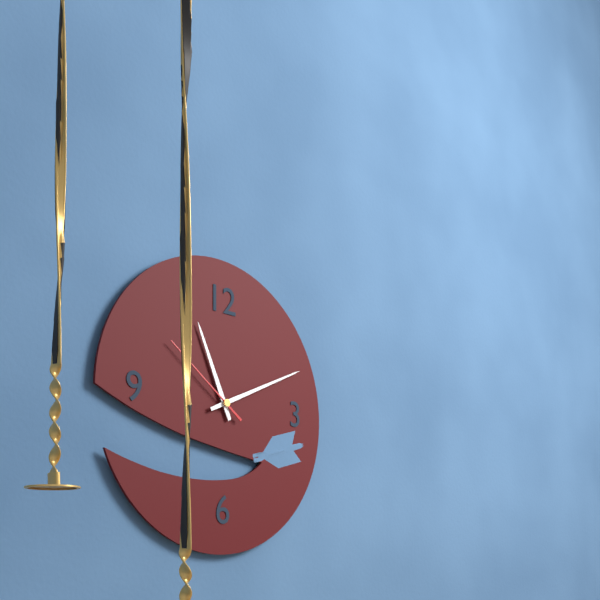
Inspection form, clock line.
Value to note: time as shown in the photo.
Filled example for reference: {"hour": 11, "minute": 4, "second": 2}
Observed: {"hour": 11, "minute": 11, "second": 51}
